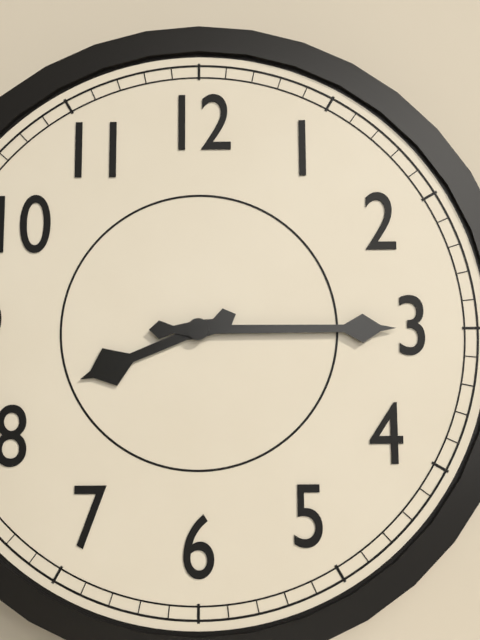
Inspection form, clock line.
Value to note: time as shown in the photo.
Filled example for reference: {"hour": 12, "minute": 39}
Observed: {"hour": 8, "minute": 15}
